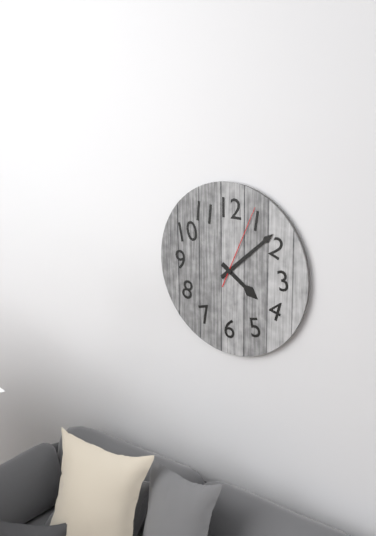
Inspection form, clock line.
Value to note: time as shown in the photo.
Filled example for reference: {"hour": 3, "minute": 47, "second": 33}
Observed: {"hour": 4, "minute": 8, "second": 4}
